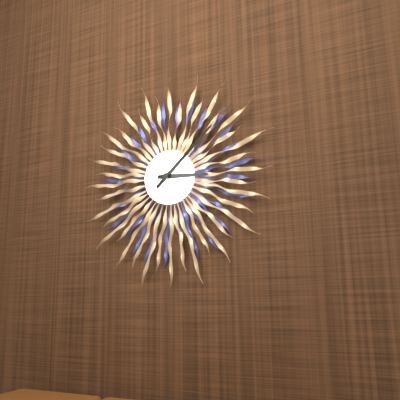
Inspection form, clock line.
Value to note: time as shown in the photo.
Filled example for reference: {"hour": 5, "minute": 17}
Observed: {"hour": 3, "minute": 8}
